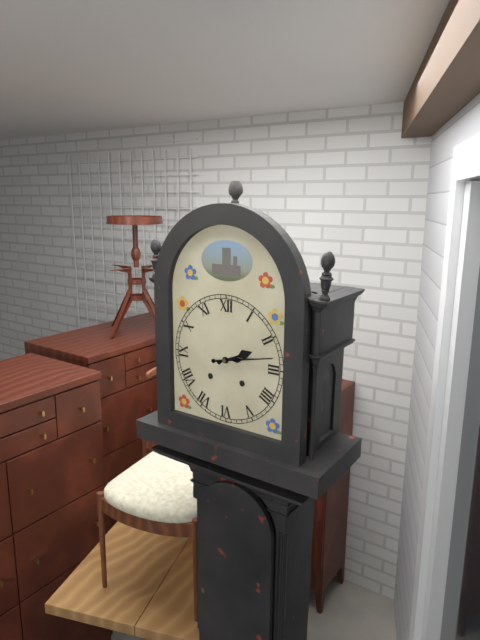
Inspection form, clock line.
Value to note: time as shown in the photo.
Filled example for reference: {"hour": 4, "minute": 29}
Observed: {"hour": 2, "minute": 13}
